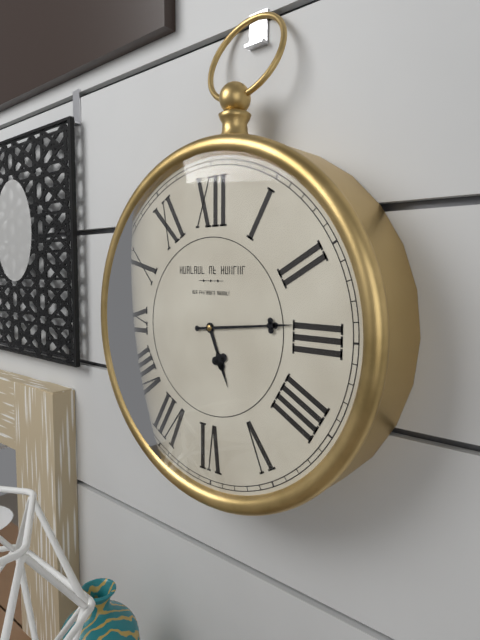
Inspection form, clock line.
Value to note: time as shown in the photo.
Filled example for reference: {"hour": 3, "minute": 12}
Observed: {"hour": 5, "minute": 14}
